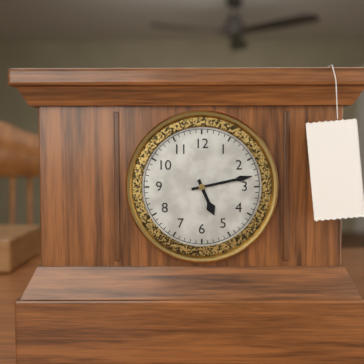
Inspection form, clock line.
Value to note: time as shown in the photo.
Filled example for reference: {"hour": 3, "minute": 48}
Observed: {"hour": 5, "minute": 13}
